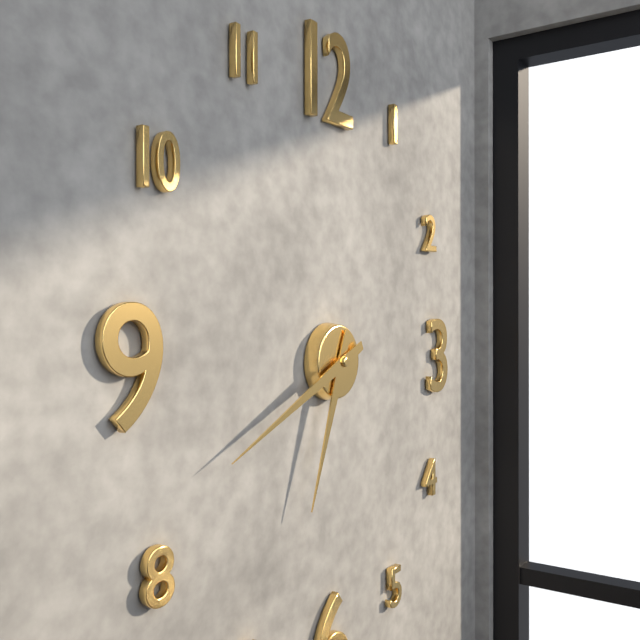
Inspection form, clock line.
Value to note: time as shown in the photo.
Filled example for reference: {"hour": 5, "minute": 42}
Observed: {"hour": 6, "minute": 41}
